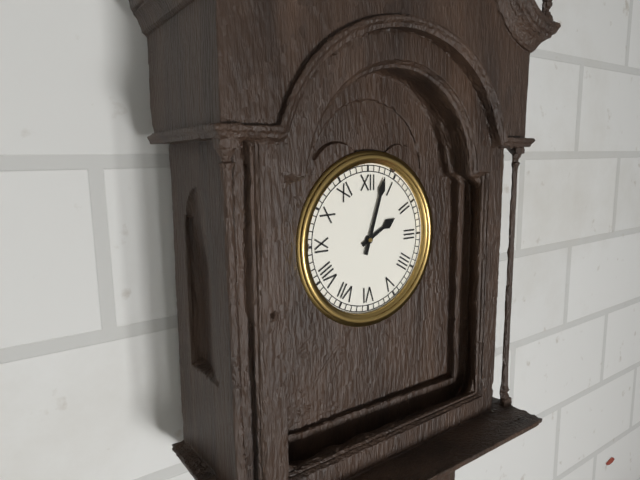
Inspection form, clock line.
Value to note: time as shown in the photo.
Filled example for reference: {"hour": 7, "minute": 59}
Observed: {"hour": 2, "minute": 3}
